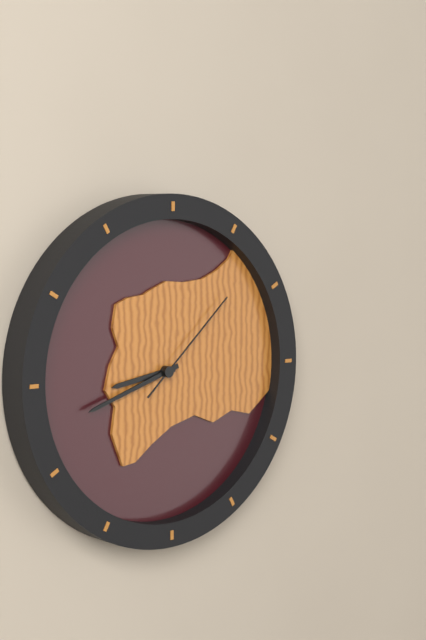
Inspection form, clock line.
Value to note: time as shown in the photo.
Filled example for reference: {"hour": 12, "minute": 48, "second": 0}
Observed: {"hour": 8, "minute": 42, "second": 8}
